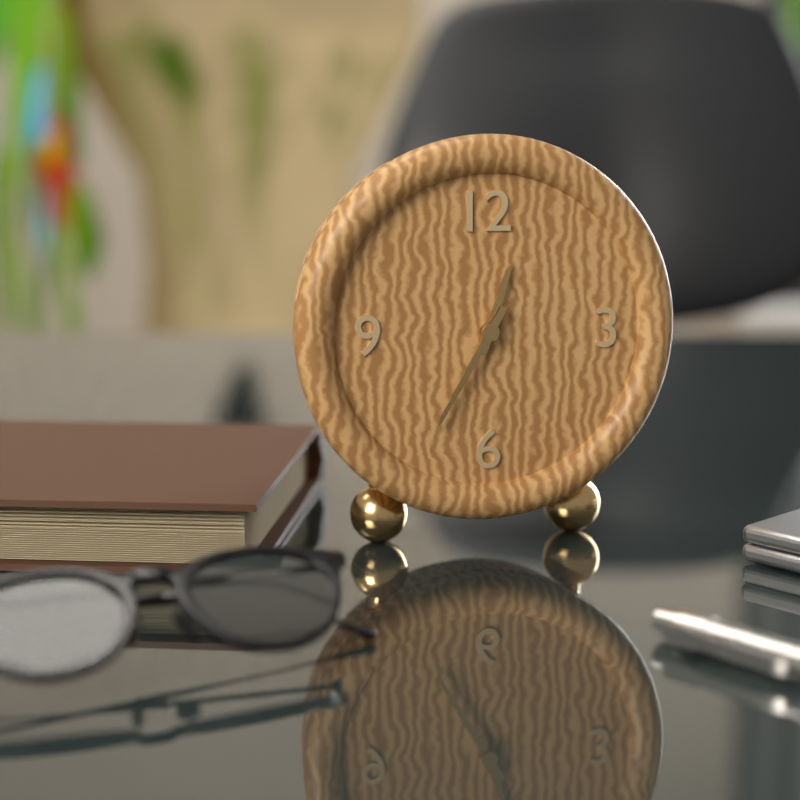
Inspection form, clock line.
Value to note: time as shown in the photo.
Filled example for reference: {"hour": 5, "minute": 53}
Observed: {"hour": 12, "minute": 35}
